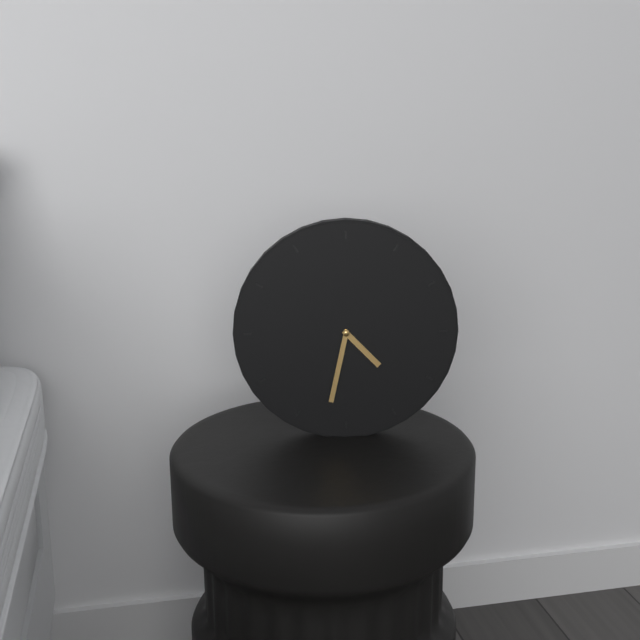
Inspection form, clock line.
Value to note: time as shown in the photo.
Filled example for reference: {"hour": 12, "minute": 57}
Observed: {"hour": 4, "minute": 32}
